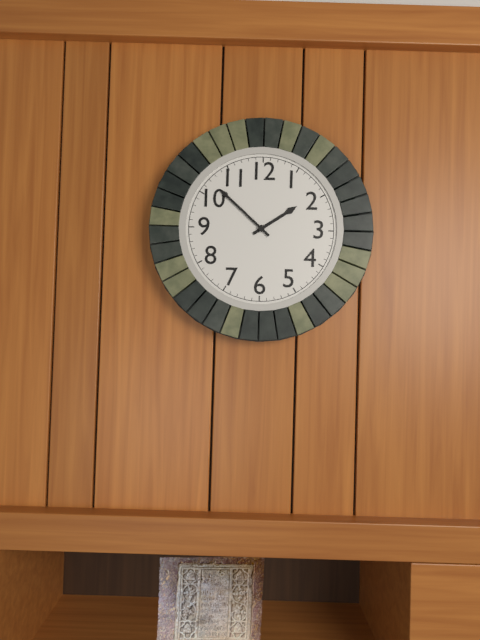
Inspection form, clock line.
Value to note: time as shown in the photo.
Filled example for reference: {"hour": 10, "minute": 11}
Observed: {"hour": 1, "minute": 52}
